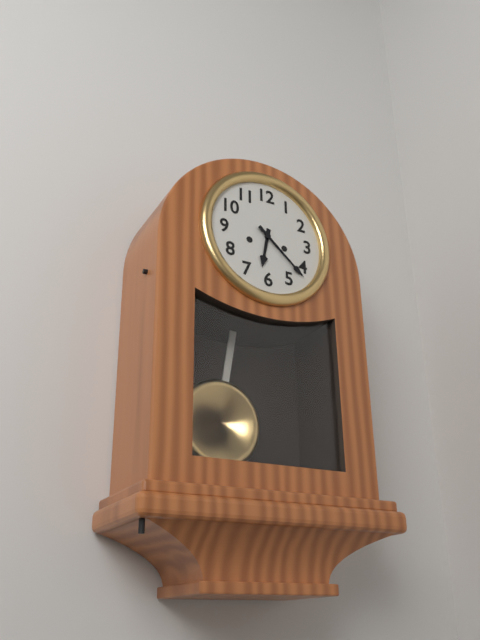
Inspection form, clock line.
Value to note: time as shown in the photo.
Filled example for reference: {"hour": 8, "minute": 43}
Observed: {"hour": 6, "minute": 22}
